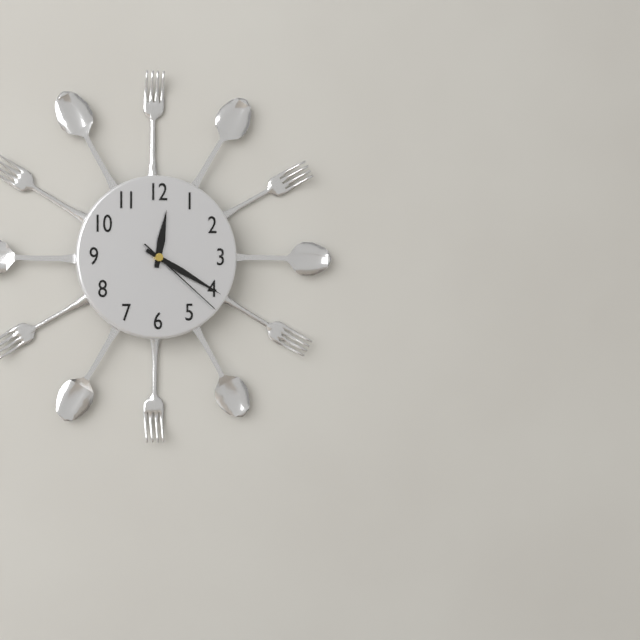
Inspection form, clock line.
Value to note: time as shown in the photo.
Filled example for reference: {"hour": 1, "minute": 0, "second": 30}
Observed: {"hour": 12, "minute": 20, "second": 22}
